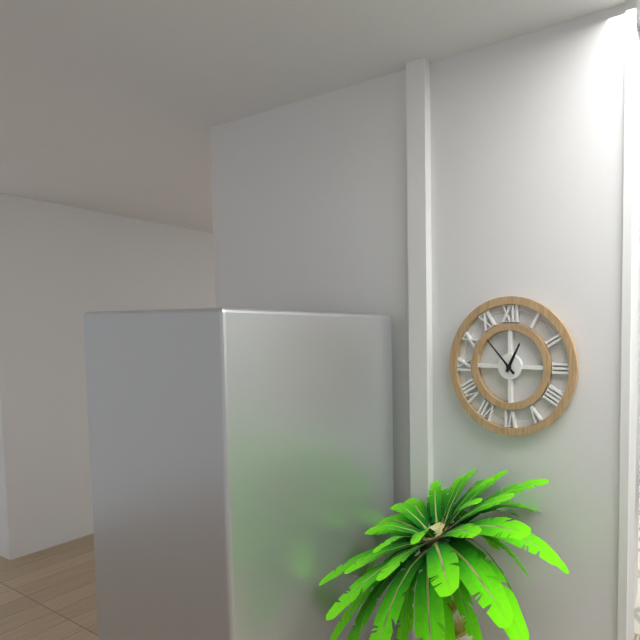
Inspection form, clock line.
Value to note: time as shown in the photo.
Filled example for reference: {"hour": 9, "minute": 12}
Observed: {"hour": 12, "minute": 53}
